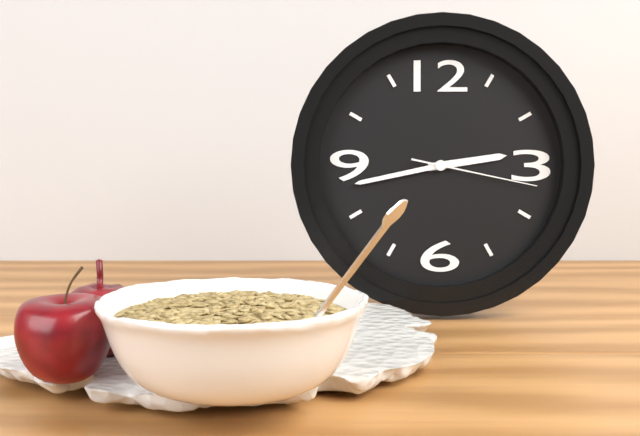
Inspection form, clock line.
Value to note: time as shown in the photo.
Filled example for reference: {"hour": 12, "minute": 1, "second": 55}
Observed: {"hour": 2, "minute": 43, "second": 17}
